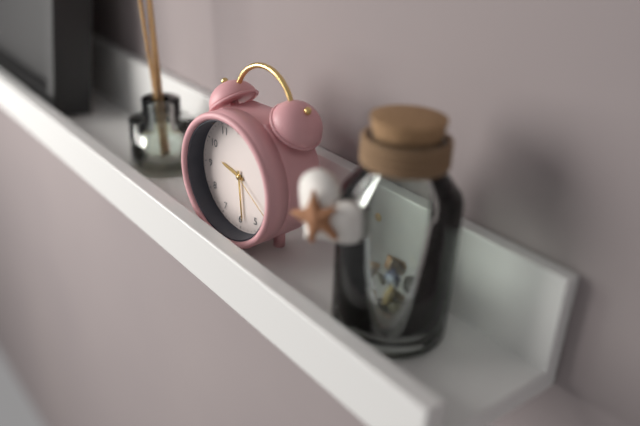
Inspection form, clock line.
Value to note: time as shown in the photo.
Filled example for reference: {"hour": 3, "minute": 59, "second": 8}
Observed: {"hour": 9, "minute": 29, "second": 21}
